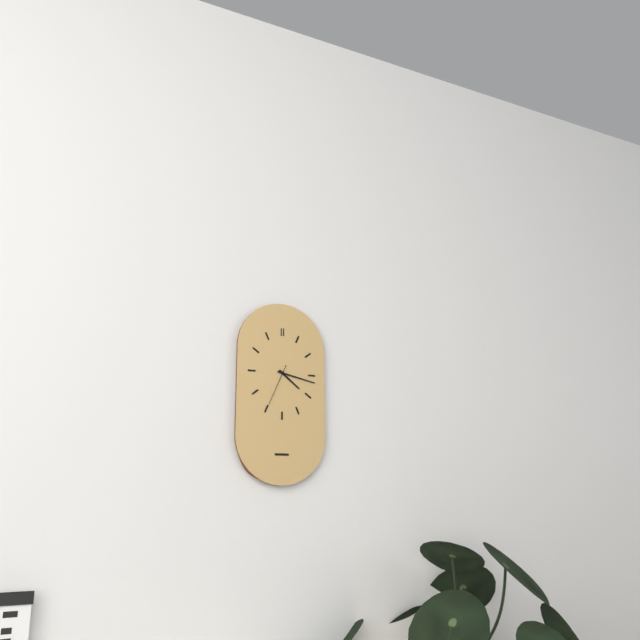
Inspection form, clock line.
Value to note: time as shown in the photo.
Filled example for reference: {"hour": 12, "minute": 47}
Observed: {"hour": 4, "minute": 17}
